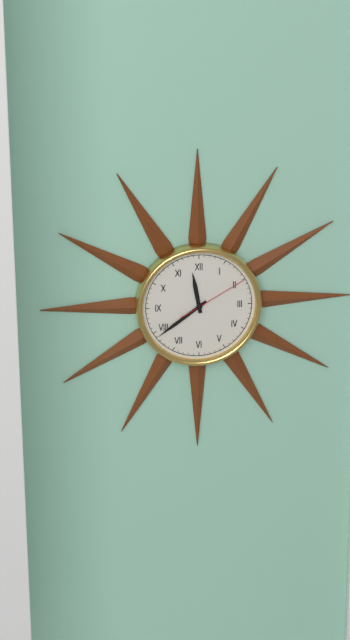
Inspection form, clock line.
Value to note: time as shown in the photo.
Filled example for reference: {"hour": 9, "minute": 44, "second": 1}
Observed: {"hour": 11, "minute": 39, "second": 10}
